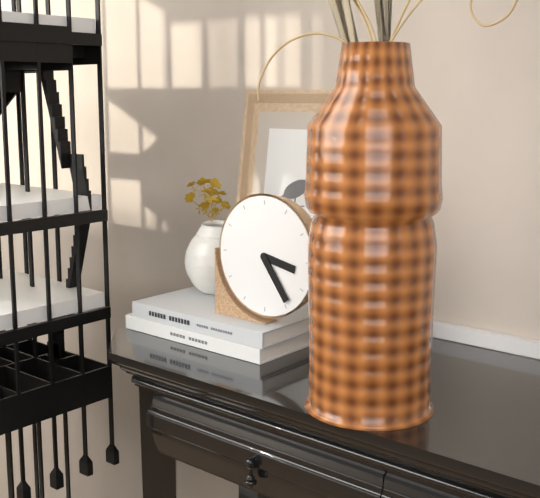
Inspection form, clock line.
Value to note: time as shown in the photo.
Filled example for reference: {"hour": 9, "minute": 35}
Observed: {"hour": 3, "minute": 24}
